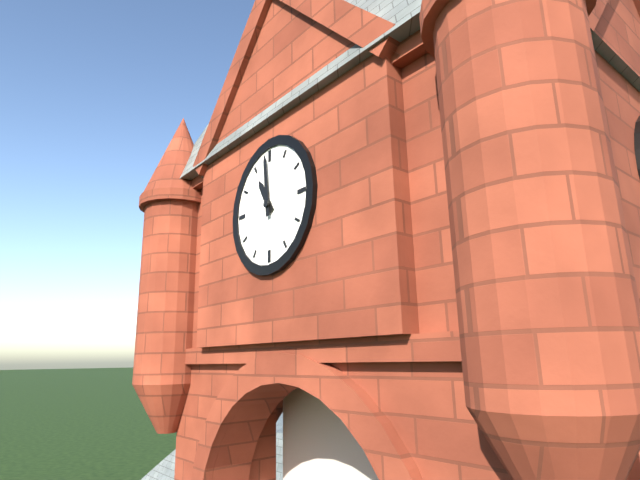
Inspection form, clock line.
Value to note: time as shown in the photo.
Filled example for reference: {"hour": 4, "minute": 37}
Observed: {"hour": 10, "minute": 59}
